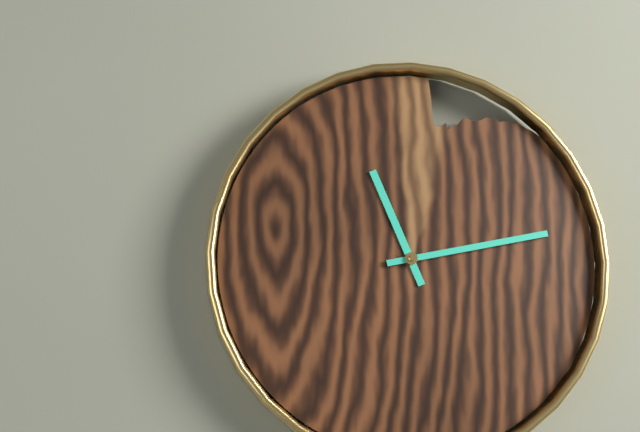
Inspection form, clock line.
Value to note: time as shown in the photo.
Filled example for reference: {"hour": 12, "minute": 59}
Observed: {"hour": 11, "minute": 13}
